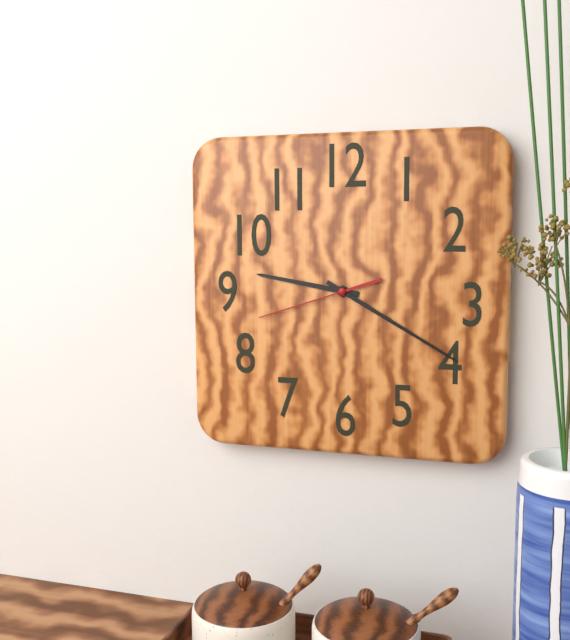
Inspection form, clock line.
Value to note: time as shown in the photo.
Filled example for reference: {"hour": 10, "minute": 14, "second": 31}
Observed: {"hour": 9, "minute": 20, "second": 42}
